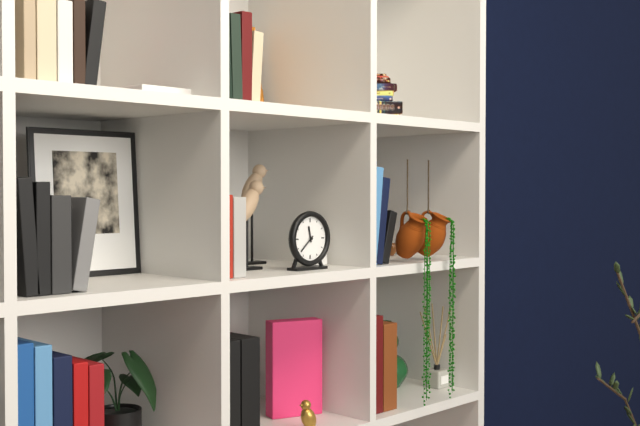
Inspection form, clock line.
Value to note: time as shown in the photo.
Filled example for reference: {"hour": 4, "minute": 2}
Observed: {"hour": 11, "minute": 38}
